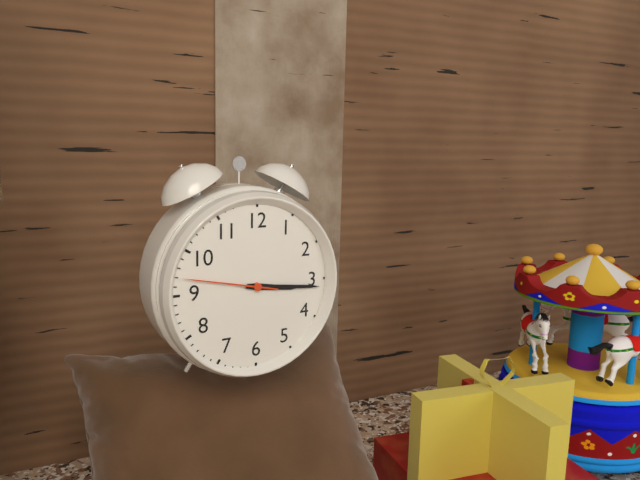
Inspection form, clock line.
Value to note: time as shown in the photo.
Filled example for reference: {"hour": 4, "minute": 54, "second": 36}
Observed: {"hour": 3, "minute": 16, "second": 47}
